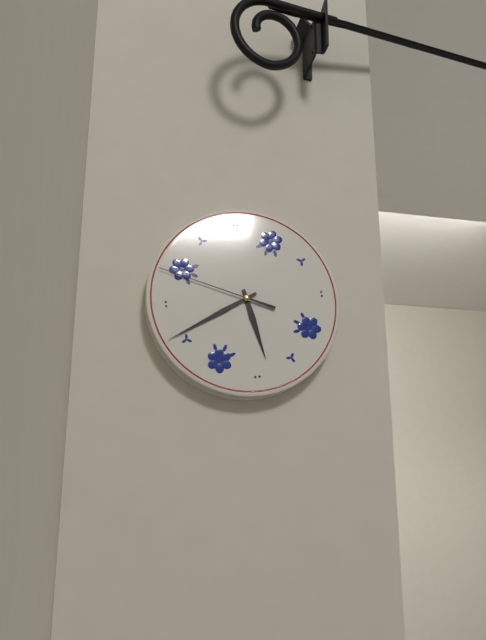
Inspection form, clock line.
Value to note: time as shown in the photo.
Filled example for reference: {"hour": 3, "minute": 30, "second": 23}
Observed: {"hour": 5, "minute": 41, "second": 49}
